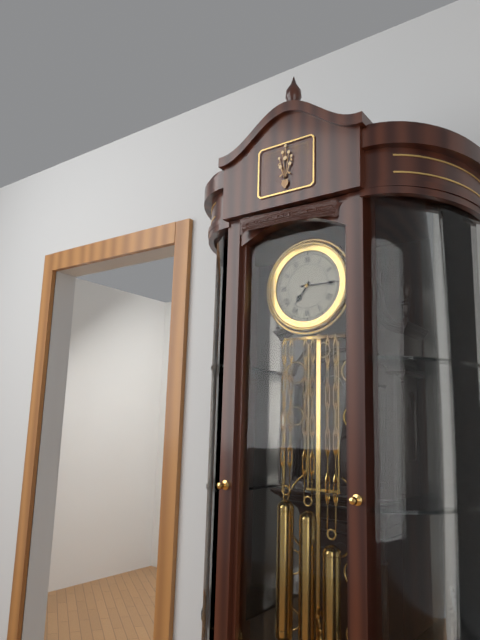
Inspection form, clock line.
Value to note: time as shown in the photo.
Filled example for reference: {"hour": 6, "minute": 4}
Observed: {"hour": 7, "minute": 15}
